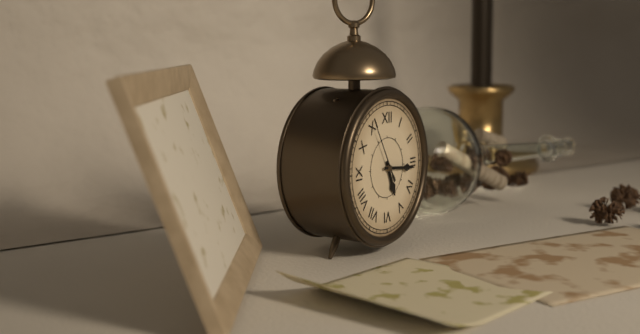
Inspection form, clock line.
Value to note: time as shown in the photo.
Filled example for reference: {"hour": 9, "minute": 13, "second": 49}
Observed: {"hour": 5, "minute": 16, "second": 55}
